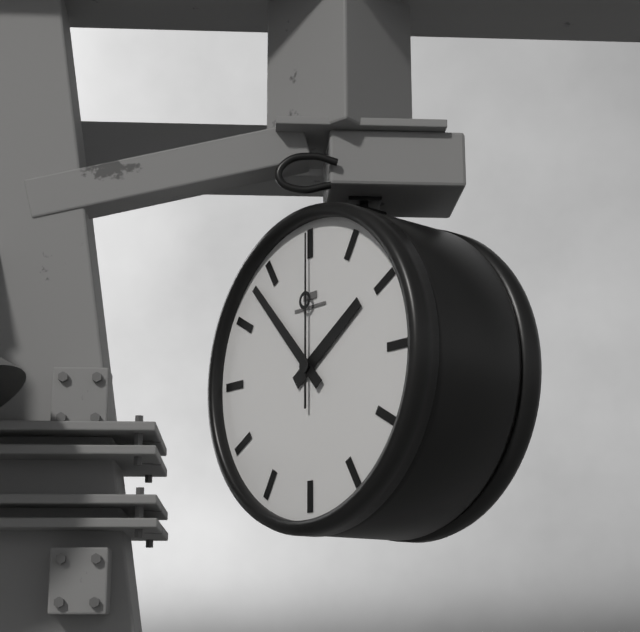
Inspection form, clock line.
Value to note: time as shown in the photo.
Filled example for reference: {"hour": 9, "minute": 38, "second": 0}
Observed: {"hour": 1, "minute": 53, "second": 0}
